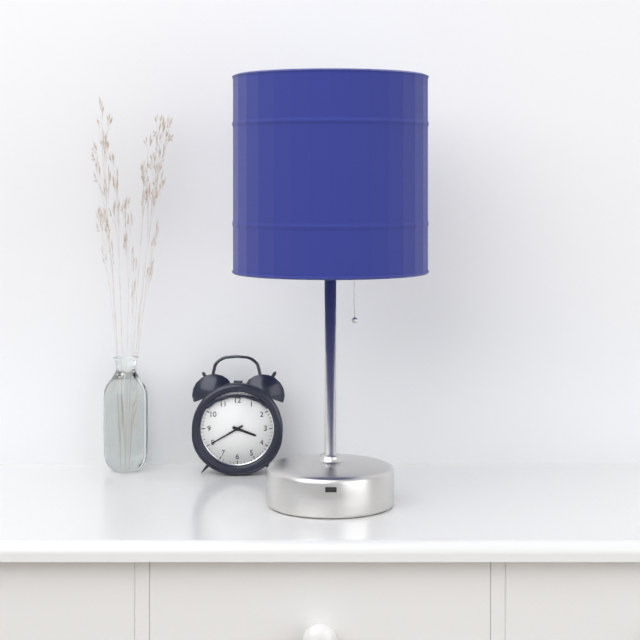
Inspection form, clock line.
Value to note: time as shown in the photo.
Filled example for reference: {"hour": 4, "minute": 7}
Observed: {"hour": 3, "minute": 40}
